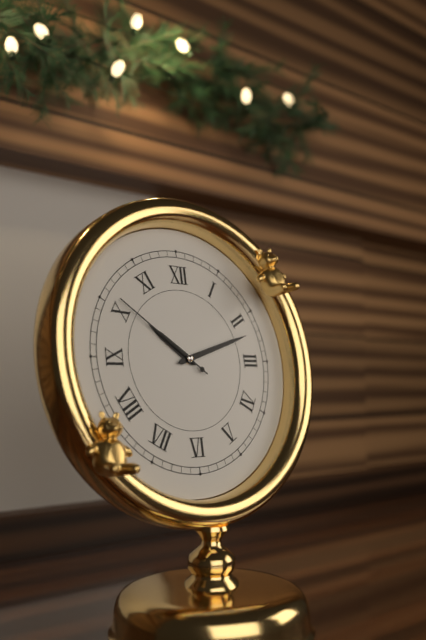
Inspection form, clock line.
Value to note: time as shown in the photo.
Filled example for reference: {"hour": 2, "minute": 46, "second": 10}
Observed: {"hour": 10, "minute": 12, "second": 51}
